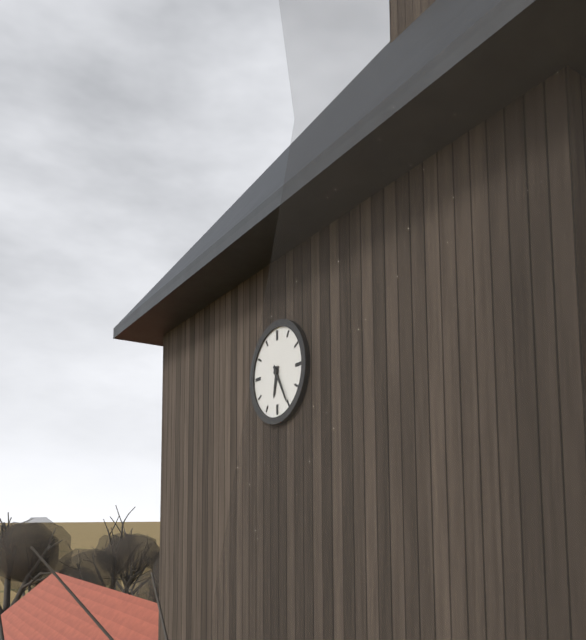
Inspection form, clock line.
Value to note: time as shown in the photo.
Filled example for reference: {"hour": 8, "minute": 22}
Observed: {"hour": 6, "minute": 25}
